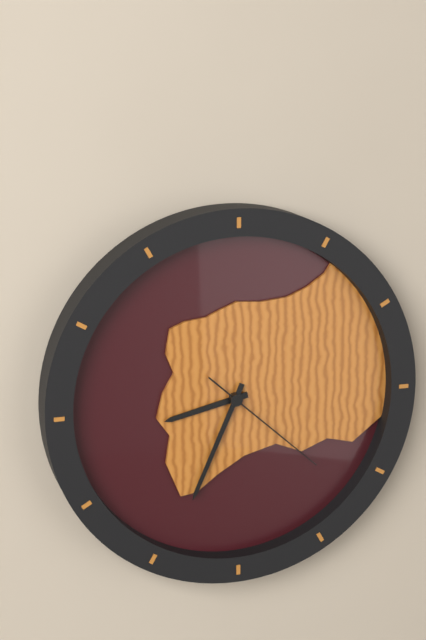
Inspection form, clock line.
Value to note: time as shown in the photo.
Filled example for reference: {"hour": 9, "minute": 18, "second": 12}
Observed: {"hour": 8, "minute": 34, "second": 22}
